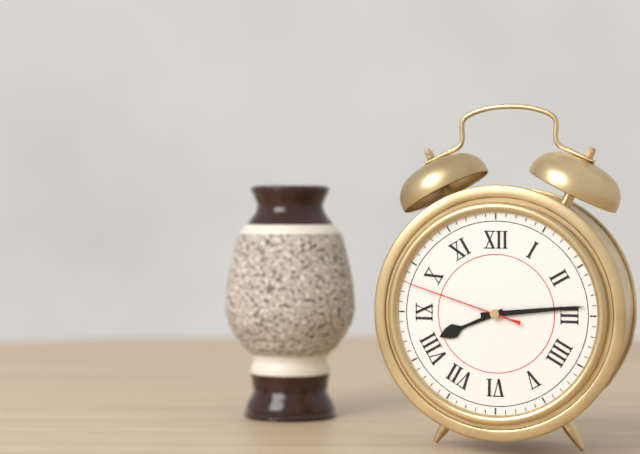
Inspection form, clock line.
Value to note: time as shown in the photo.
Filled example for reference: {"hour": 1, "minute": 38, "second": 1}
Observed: {"hour": 8, "minute": 14, "second": 48}
